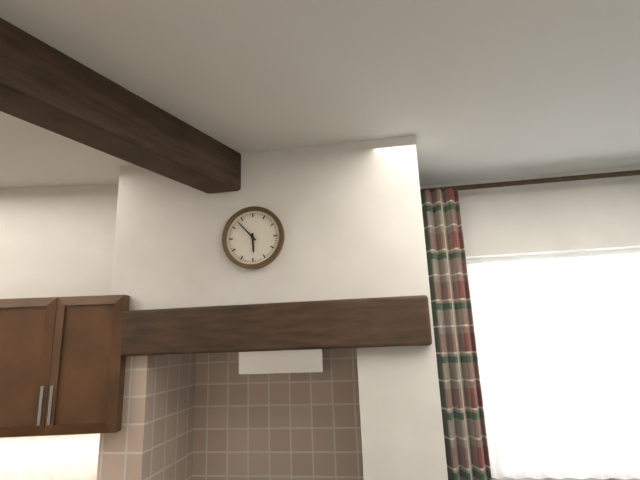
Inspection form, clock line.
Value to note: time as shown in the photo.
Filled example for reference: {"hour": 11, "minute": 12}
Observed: {"hour": 5, "minute": 53}
